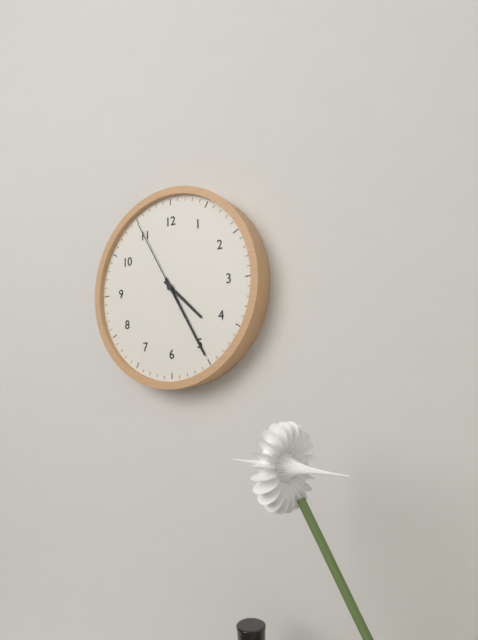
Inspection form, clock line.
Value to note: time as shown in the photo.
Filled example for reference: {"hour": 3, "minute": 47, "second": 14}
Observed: {"hour": 4, "minute": 25, "second": 55}
